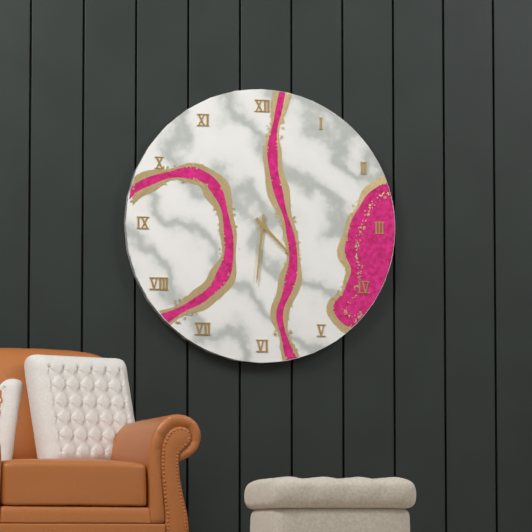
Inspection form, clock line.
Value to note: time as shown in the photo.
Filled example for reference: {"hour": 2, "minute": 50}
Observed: {"hour": 4, "minute": 31}
